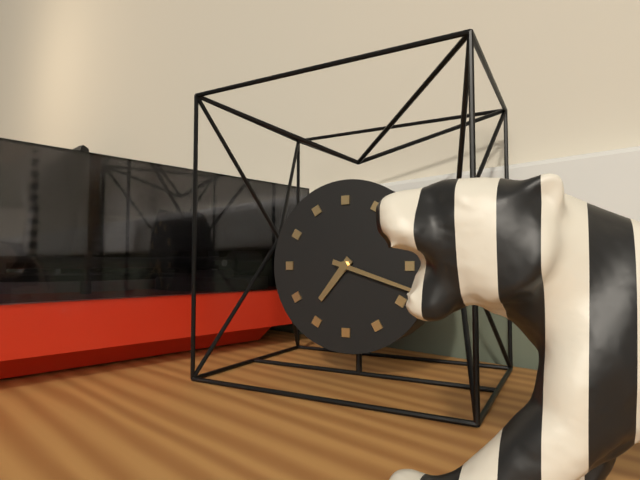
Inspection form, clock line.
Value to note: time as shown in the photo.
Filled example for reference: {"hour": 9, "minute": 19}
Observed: {"hour": 7, "minute": 18}
